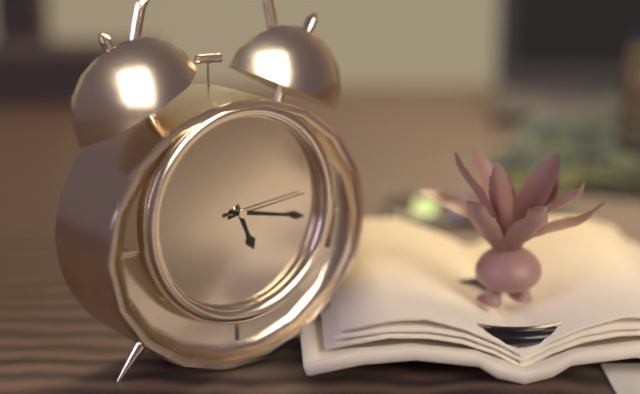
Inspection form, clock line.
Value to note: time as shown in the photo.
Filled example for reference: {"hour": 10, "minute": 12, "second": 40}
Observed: {"hour": 5, "minute": 17, "second": 14}
